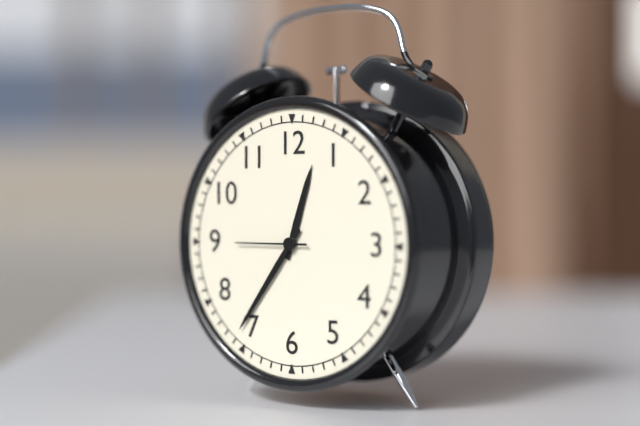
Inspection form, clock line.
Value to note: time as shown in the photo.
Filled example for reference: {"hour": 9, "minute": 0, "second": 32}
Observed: {"hour": 12, "minute": 36, "second": 45}
